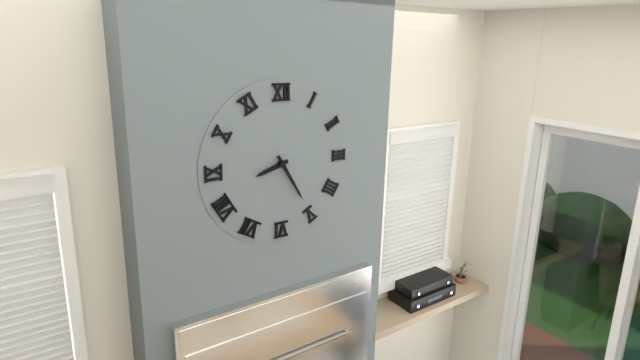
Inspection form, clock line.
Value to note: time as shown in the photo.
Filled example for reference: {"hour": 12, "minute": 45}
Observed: {"hour": 8, "minute": 25}
